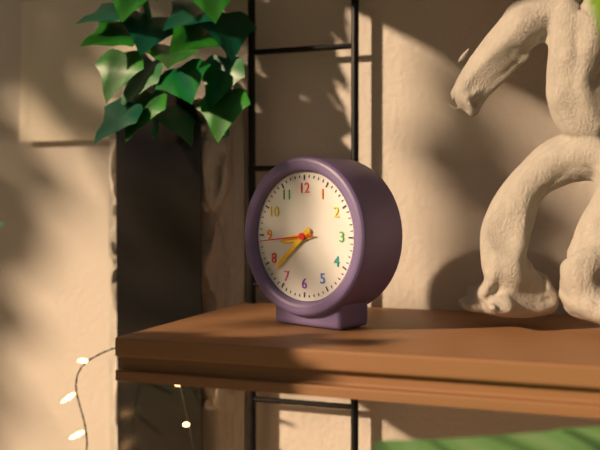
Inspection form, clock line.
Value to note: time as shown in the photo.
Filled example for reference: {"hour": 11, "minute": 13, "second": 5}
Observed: {"hour": 8, "minute": 38, "second": 44}
